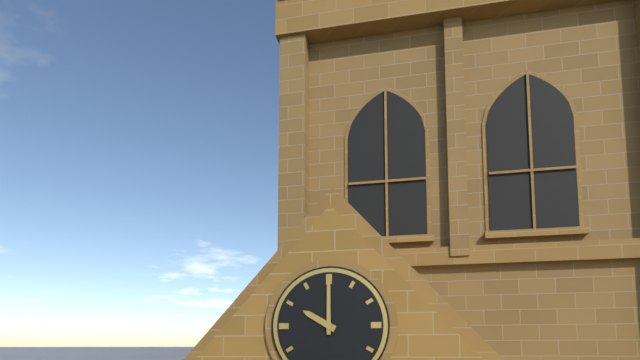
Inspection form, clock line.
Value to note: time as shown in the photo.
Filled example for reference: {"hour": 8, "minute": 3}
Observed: {"hour": 10, "minute": 0}
